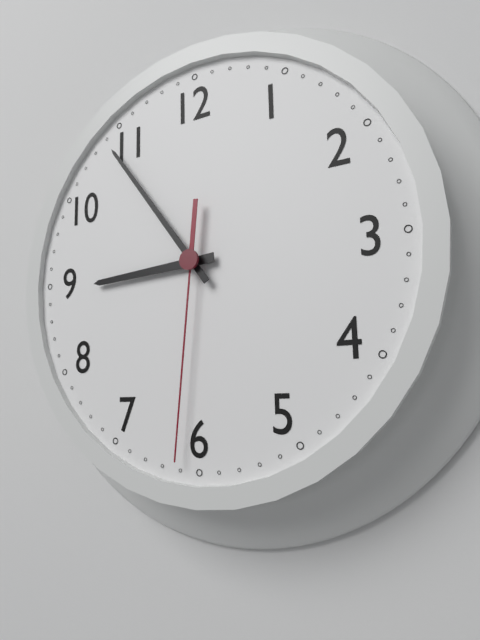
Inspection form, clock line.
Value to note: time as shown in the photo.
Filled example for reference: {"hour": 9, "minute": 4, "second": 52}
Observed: {"hour": 8, "minute": 54, "second": 31}
